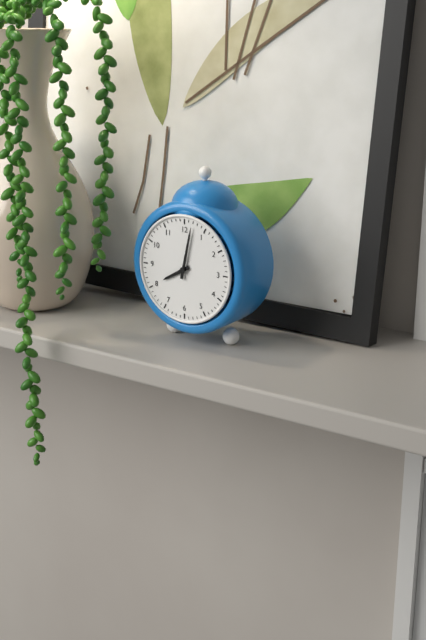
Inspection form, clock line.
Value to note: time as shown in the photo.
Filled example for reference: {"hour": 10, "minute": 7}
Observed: {"hour": 8, "minute": 2}
